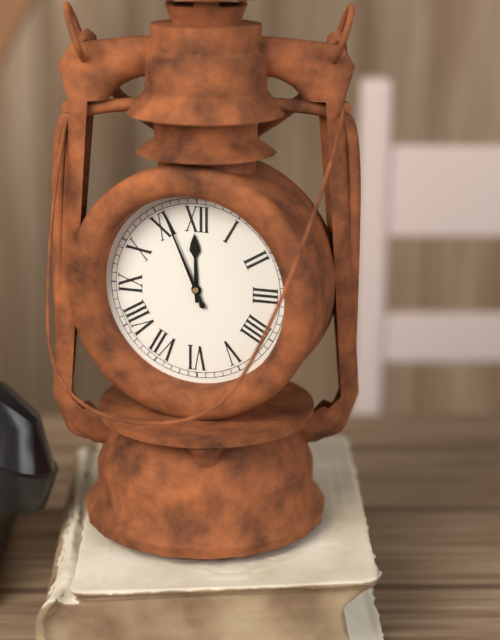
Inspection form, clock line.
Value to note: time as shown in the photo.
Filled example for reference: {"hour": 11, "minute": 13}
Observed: {"hour": 11, "minute": 56}
